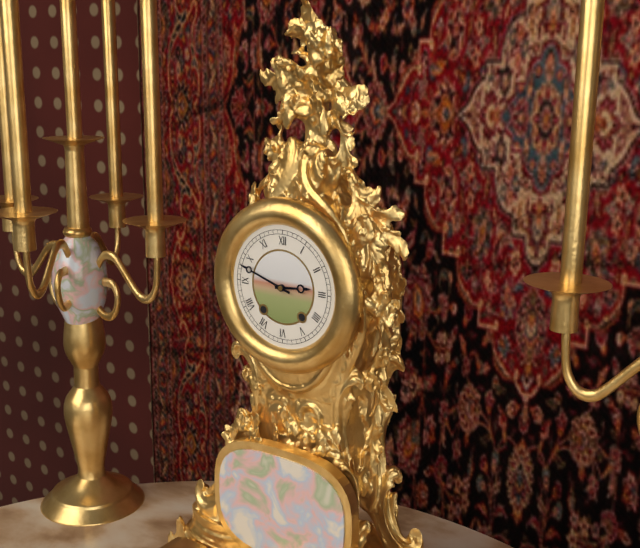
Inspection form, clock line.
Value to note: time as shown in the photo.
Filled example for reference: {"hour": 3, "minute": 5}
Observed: {"hour": 2, "minute": 48}
